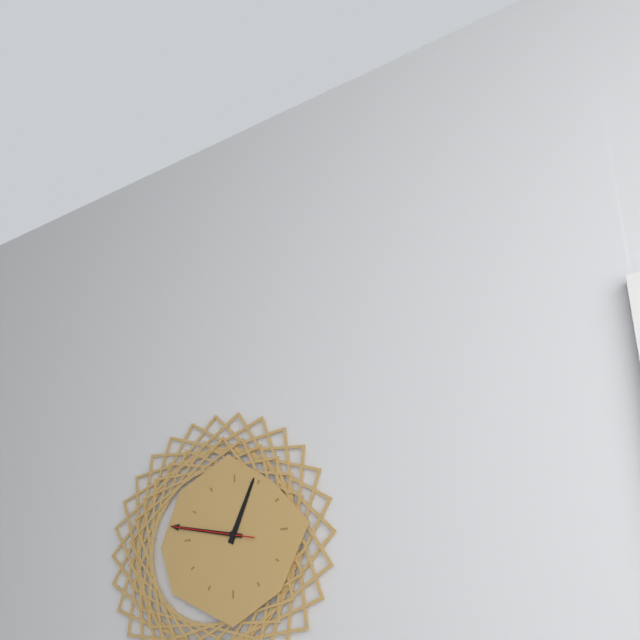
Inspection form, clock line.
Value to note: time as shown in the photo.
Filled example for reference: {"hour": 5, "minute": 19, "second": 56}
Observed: {"hour": 12, "minute": 47, "second": 47}
